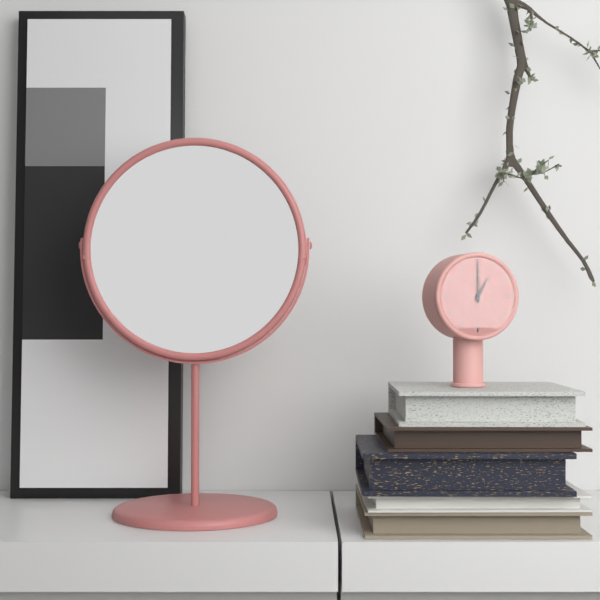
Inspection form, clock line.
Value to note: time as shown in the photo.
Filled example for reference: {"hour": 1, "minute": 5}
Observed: {"hour": 1, "minute": 0}
